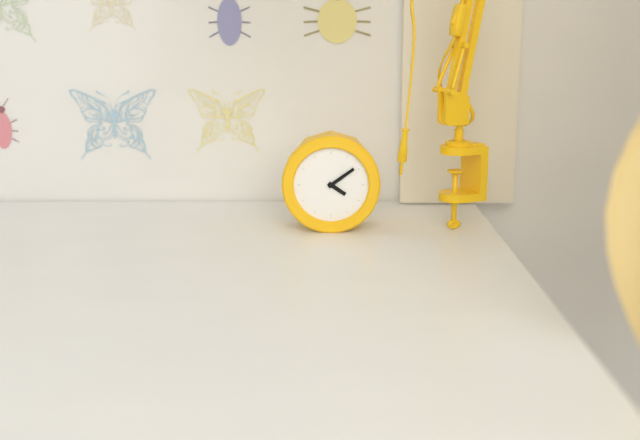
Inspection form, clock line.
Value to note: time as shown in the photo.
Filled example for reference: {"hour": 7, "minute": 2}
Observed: {"hour": 4, "minute": 9}
